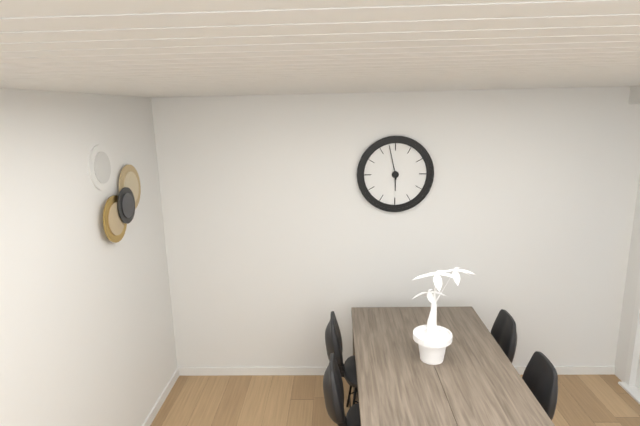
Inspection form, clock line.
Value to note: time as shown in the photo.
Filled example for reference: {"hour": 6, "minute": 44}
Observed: {"hour": 5, "minute": 58}
